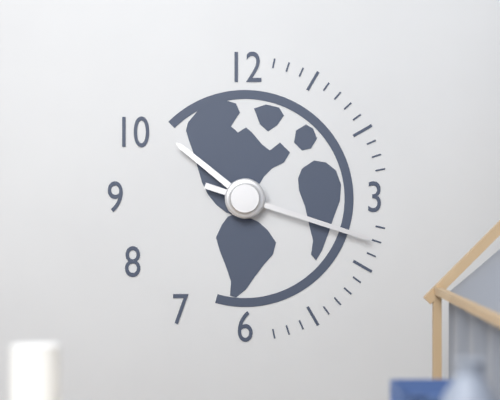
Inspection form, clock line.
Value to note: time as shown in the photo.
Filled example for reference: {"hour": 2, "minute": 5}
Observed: {"hour": 10, "minute": 18}
